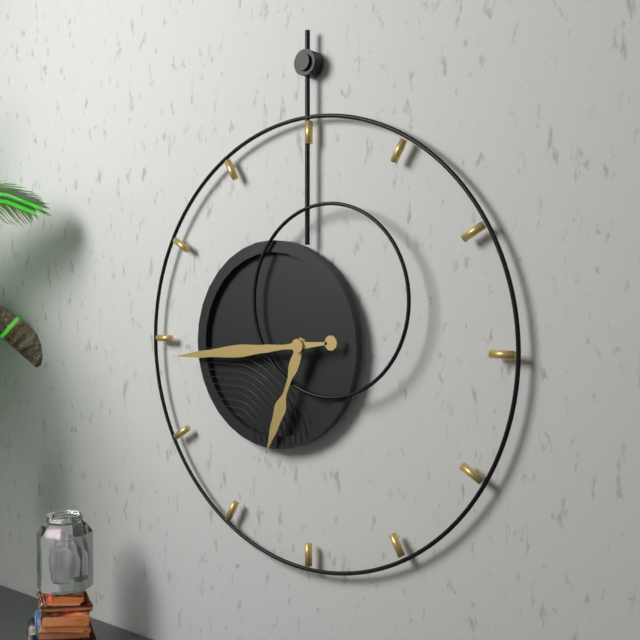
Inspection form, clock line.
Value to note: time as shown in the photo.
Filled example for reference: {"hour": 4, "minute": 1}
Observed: {"hour": 6, "minute": 44}
